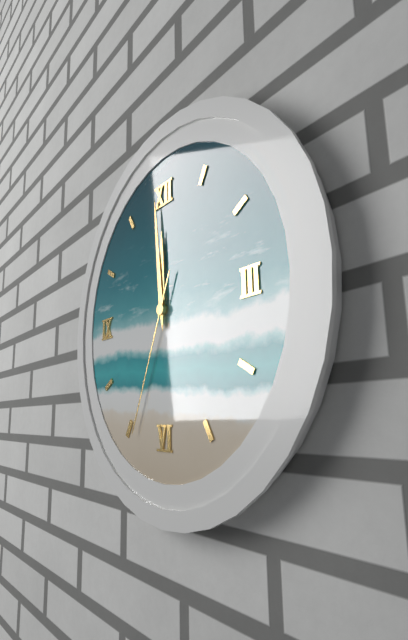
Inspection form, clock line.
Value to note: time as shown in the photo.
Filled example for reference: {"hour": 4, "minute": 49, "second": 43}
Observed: {"hour": 11, "minute": 59, "second": 34}
